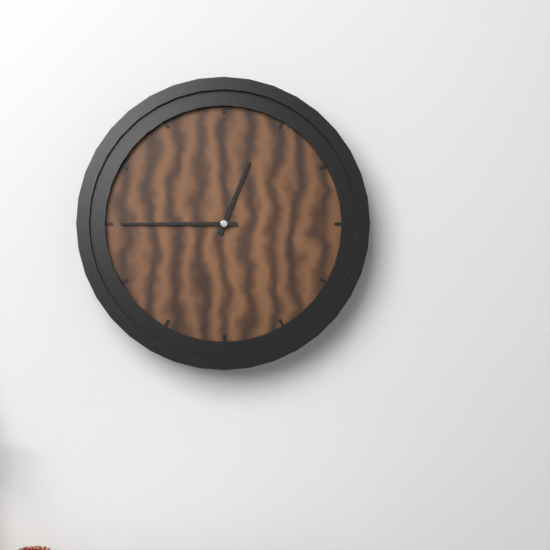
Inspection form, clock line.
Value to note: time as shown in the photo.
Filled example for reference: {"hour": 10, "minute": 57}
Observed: {"hour": 12, "minute": 45}
